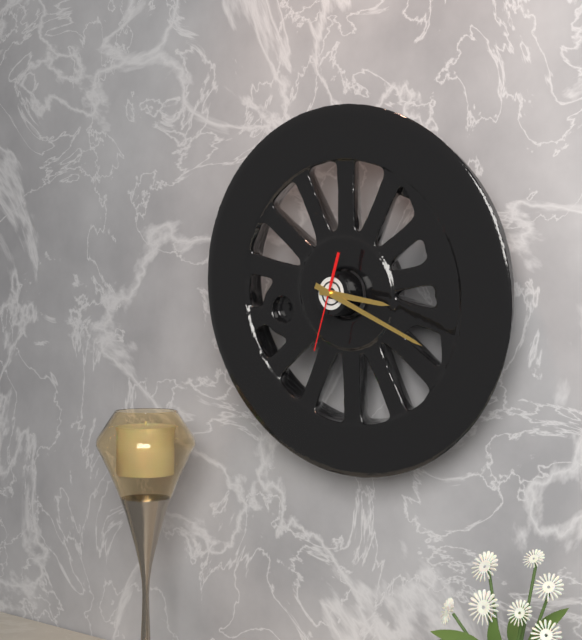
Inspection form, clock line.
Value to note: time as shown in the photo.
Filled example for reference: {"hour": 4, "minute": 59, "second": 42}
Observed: {"hour": 3, "minute": 19, "second": 33}
